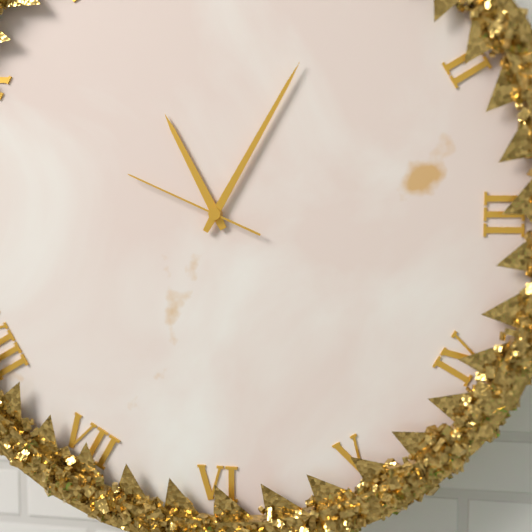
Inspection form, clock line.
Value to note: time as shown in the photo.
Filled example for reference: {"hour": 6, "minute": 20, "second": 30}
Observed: {"hour": 11, "minute": 5, "second": 49}
